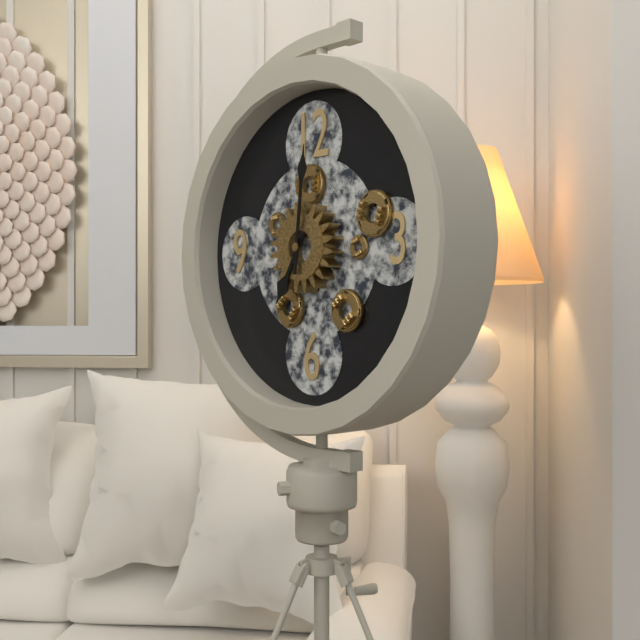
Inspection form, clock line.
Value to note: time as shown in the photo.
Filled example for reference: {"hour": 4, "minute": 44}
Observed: {"hour": 7, "minute": 1}
